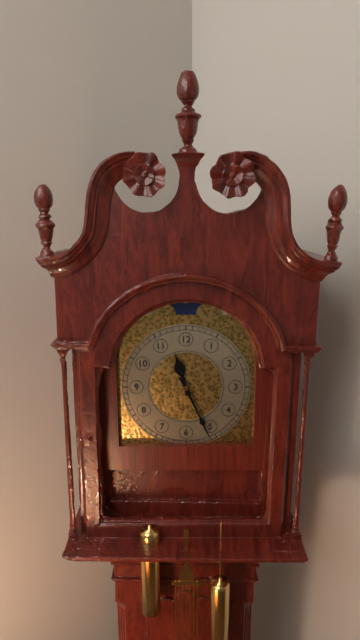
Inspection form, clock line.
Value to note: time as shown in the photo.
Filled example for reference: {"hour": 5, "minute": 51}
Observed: {"hour": 11, "minute": 26}
